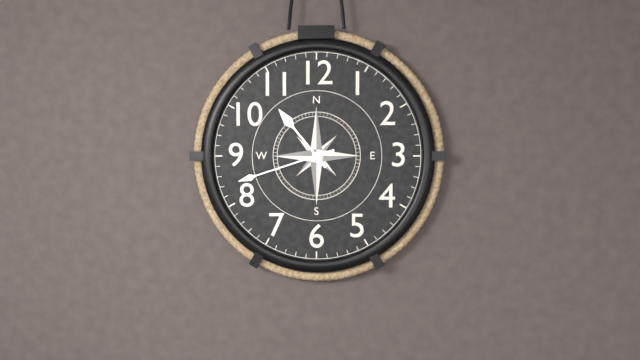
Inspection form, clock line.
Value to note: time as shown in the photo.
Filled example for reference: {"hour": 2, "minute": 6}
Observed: {"hour": 10, "minute": 42}
